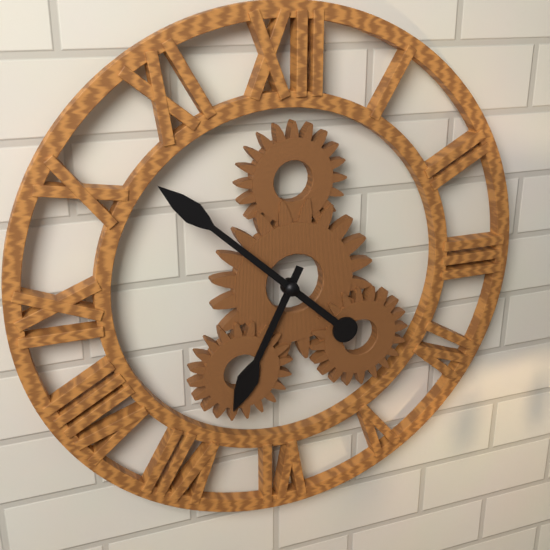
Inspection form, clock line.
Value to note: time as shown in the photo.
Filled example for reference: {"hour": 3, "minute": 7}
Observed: {"hour": 6, "minute": 52}
